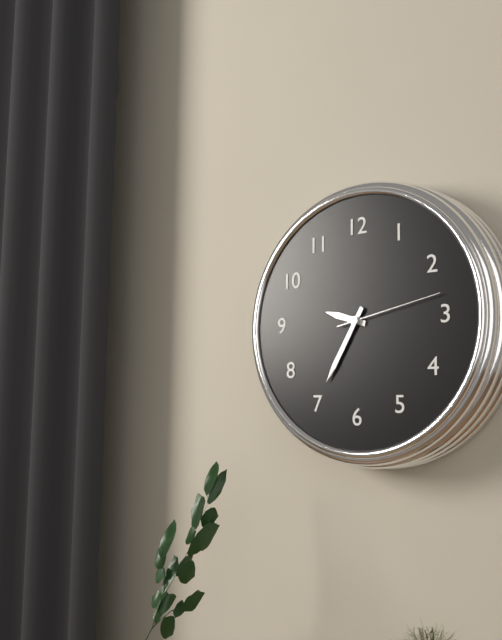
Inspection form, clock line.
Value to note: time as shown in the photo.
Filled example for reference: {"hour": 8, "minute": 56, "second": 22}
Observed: {"hour": 9, "minute": 35, "second": 13}
